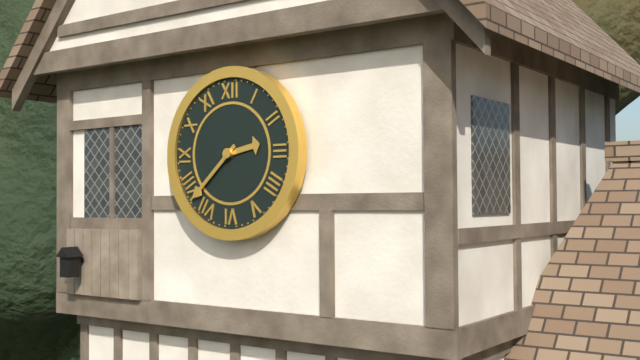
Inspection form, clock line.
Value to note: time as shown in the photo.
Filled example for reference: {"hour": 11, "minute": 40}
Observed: {"hour": 2, "minute": 38}
